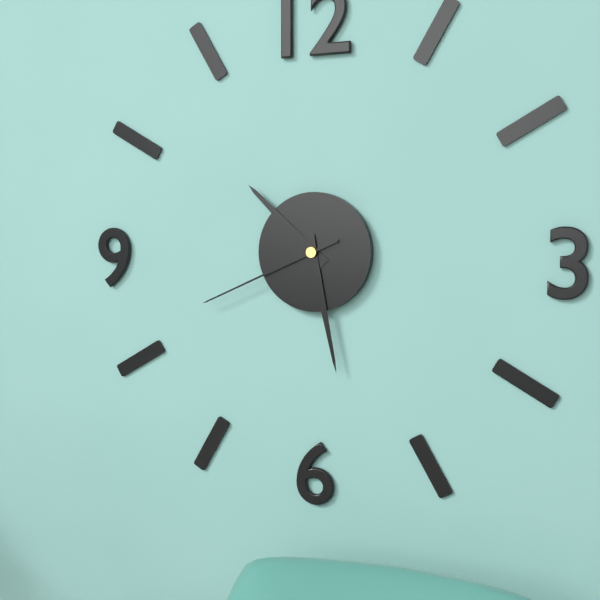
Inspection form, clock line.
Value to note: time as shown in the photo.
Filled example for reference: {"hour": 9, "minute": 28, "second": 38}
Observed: {"hour": 10, "minute": 28, "second": 41}
